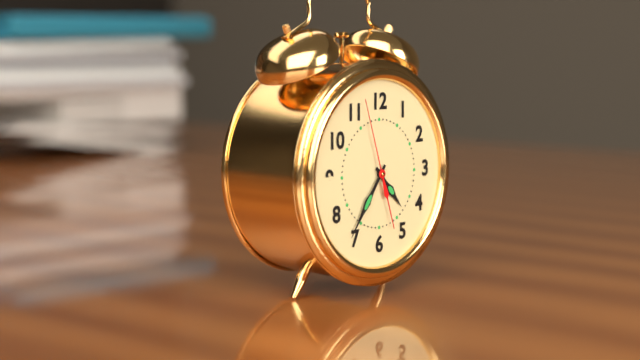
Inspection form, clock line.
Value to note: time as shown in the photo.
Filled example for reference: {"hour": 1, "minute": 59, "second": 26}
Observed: {"hour": 4, "minute": 36, "second": 57}
